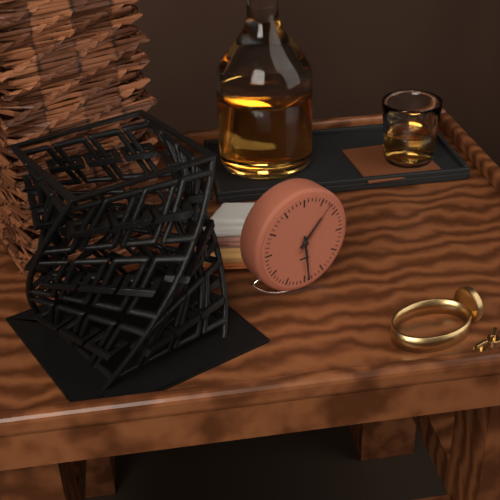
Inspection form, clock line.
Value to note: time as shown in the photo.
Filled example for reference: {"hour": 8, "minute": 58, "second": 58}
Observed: {"hour": 1, "minute": 29, "second": 7}
